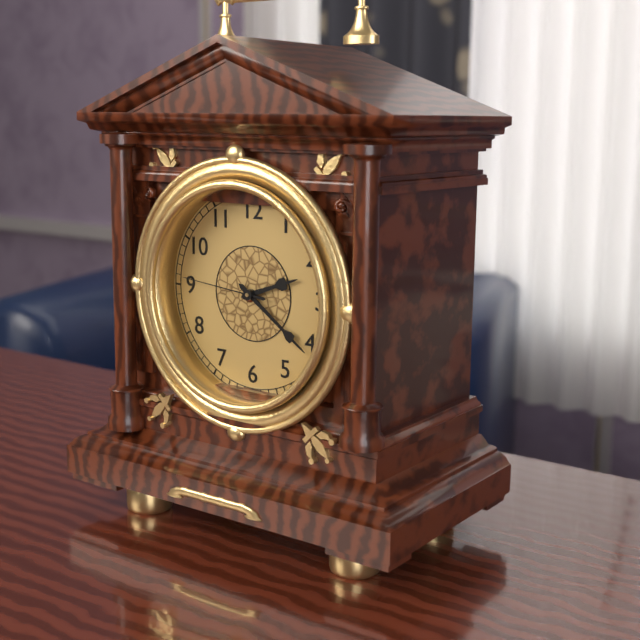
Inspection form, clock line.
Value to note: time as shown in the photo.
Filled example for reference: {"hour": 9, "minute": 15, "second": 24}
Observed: {"hour": 2, "minute": 21, "second": 46}
